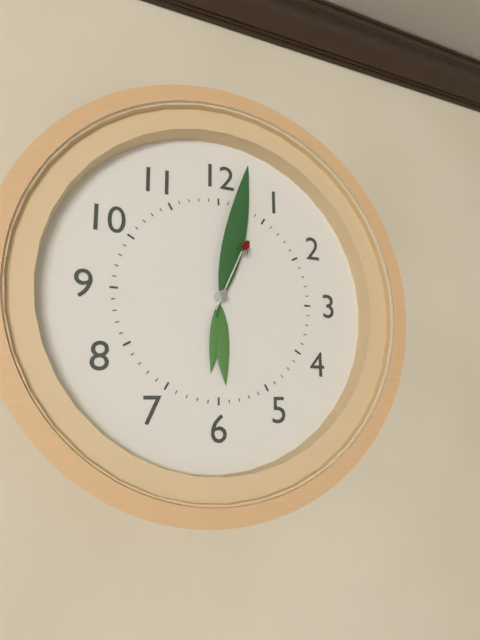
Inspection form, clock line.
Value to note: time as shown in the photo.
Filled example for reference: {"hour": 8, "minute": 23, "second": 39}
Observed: {"hour": 6, "minute": 2, "second": 4}
